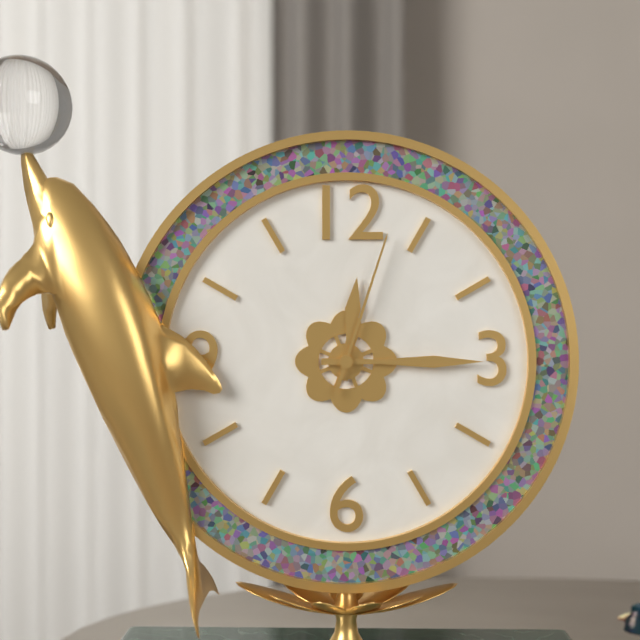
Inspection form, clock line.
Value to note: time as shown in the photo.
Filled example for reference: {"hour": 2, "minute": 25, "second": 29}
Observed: {"hour": 12, "minute": 15, "second": 3}
